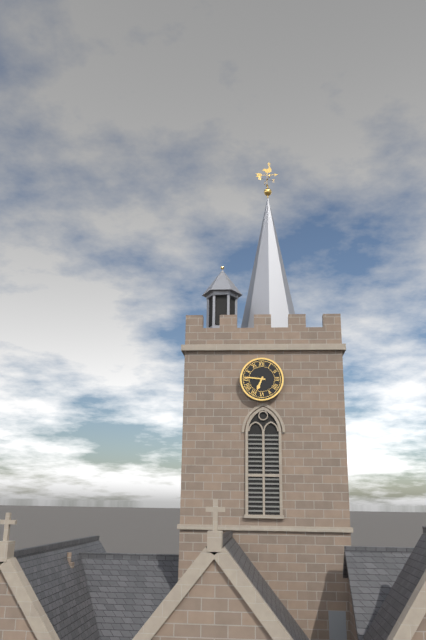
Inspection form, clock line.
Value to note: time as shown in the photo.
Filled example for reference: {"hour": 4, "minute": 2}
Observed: {"hour": 6, "minute": 46}
